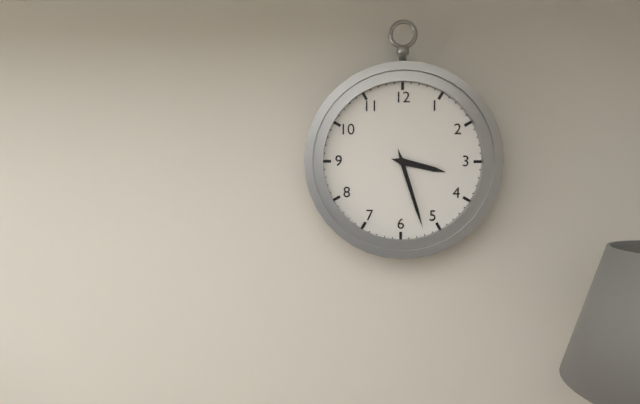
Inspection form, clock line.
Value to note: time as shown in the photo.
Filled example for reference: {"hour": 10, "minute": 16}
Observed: {"hour": 3, "minute": 27}
